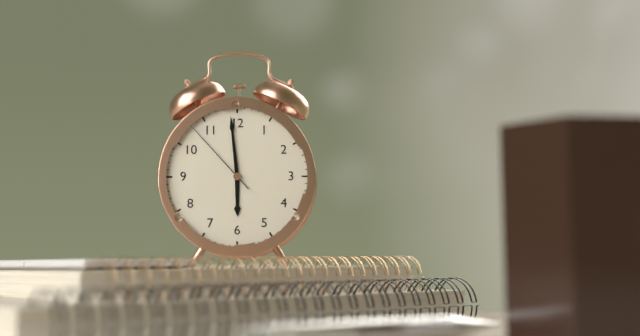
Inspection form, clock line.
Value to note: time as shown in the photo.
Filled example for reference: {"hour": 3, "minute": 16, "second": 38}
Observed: {"hour": 5, "minute": 59, "second": 53}
